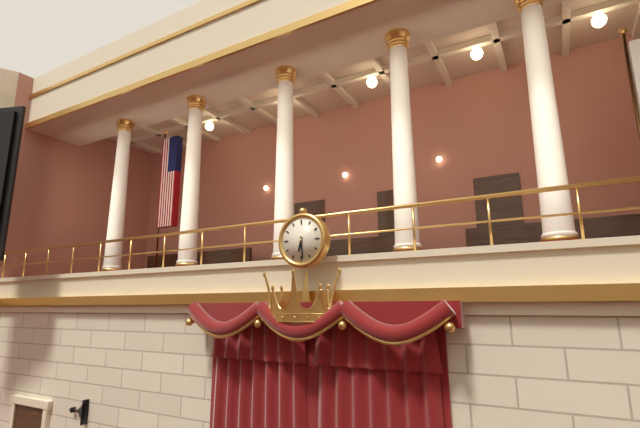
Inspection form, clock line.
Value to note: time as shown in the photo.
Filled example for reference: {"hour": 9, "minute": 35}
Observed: {"hour": 6, "minute": 29}
